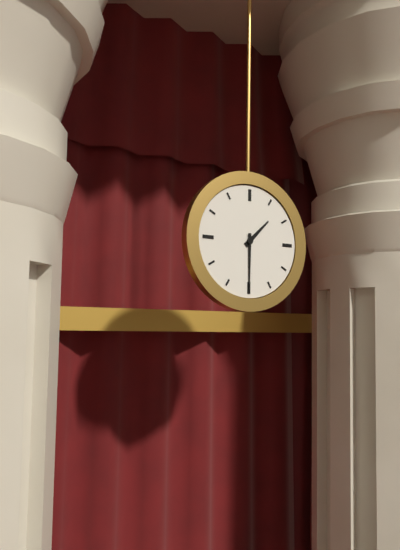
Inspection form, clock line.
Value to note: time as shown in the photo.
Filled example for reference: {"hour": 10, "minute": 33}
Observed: {"hour": 1, "minute": 30}
